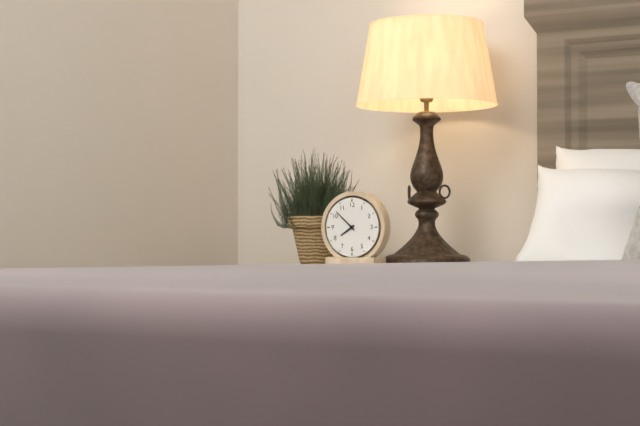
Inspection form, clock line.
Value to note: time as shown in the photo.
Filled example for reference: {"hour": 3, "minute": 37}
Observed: {"hour": 7, "minute": 52}
